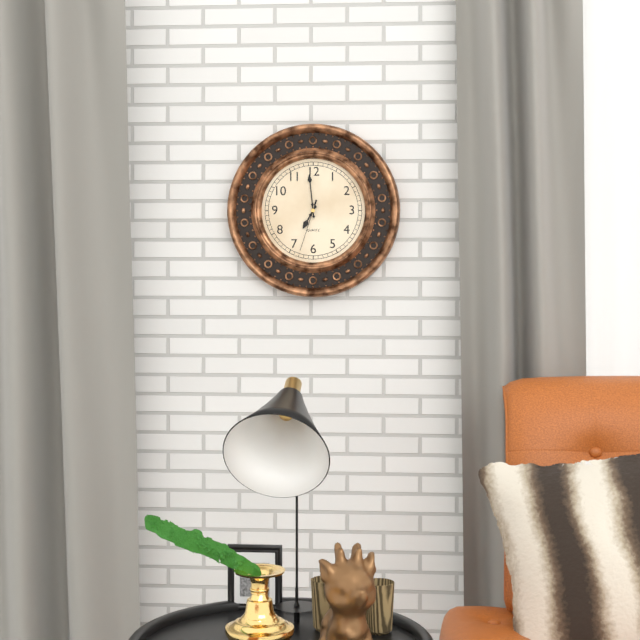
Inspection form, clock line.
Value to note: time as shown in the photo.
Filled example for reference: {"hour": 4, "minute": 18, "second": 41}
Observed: {"hour": 6, "minute": 59, "second": 33}
